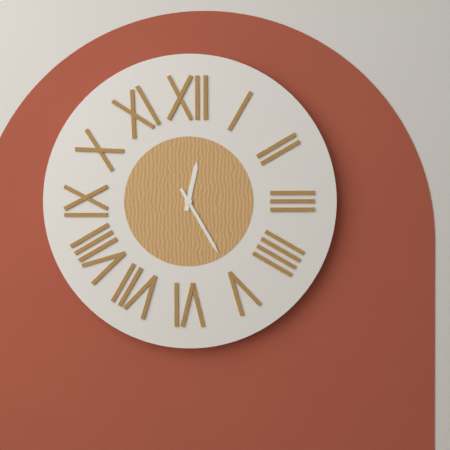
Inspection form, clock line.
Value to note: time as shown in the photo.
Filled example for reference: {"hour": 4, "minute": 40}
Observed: {"hour": 12, "minute": 25}
